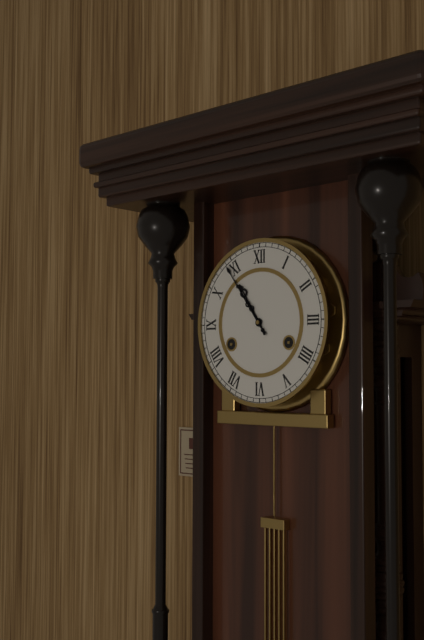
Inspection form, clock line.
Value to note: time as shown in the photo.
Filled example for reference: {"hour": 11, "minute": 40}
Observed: {"hour": 10, "minute": 54}
